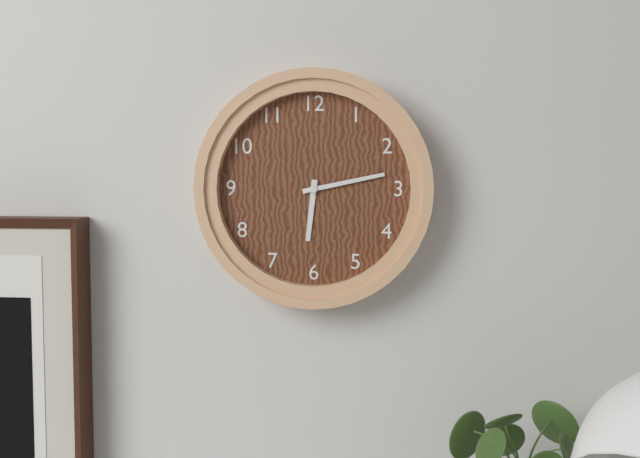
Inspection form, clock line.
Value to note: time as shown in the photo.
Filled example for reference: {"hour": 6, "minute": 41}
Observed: {"hour": 6, "minute": 13}
